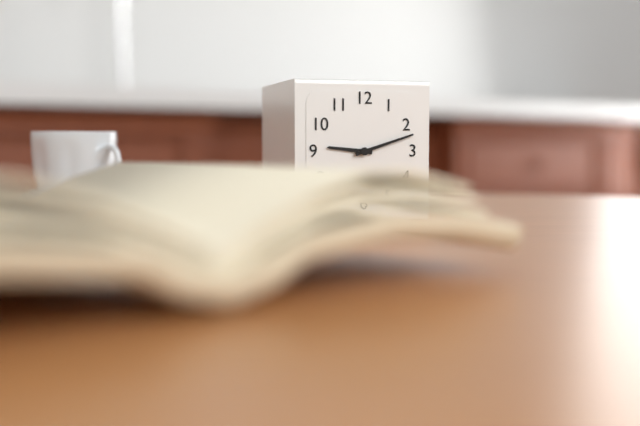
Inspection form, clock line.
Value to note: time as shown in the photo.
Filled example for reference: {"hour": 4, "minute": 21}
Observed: {"hour": 9, "minute": 12}
